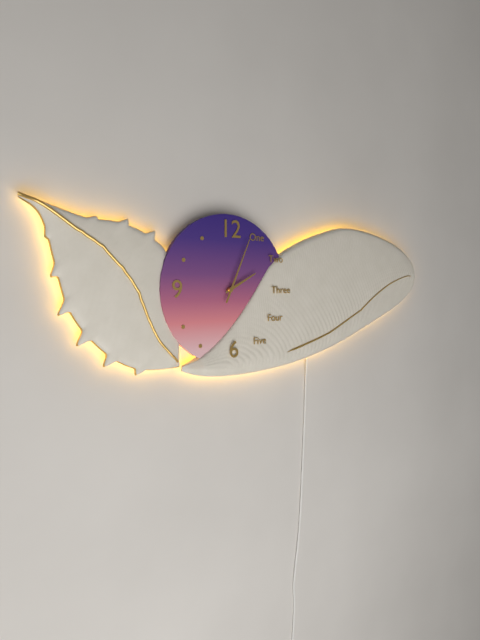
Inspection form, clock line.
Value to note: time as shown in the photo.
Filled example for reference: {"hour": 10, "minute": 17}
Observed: {"hour": 2, "minute": 4}
